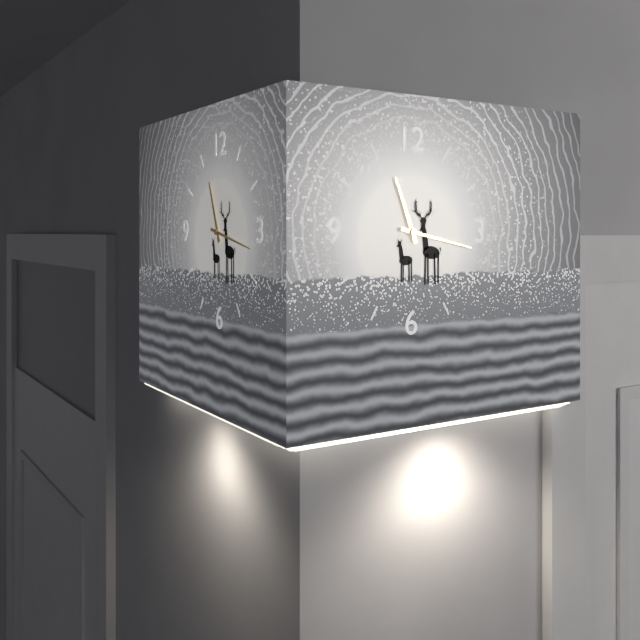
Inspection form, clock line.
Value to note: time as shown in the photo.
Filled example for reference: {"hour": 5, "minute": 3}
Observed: {"hour": 11, "minute": 17}
